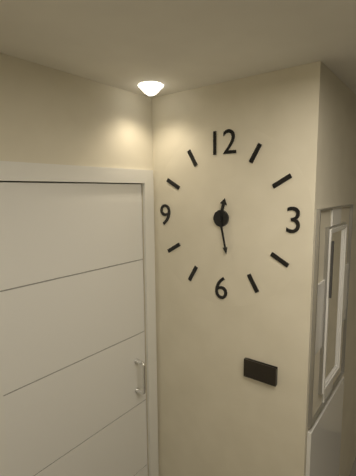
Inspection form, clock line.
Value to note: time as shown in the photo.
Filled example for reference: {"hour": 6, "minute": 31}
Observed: {"hour": 12, "minute": 28}
